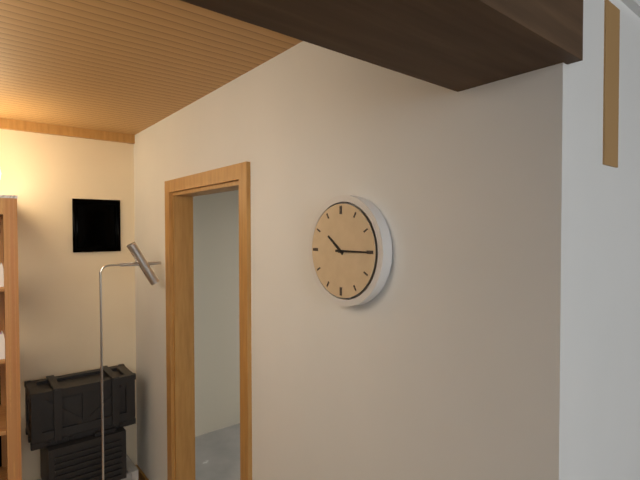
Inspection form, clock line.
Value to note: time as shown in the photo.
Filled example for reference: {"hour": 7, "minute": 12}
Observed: {"hour": 10, "minute": 15}
